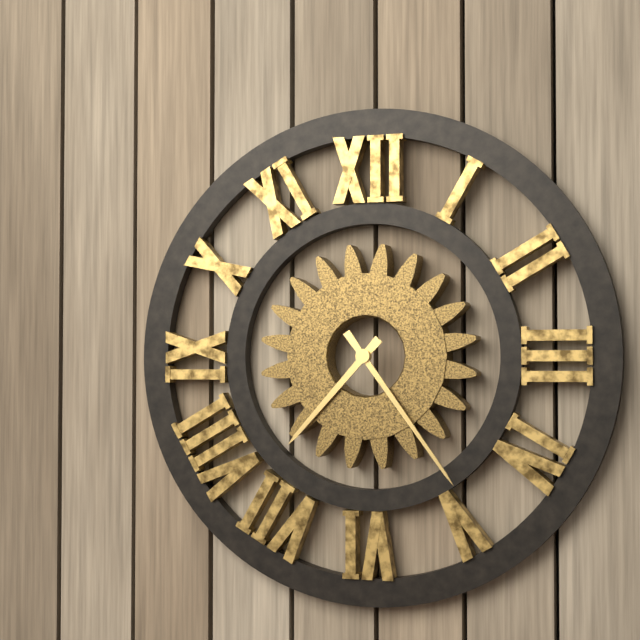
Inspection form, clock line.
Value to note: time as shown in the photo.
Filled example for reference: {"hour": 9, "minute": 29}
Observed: {"hour": 7, "minute": 24}
